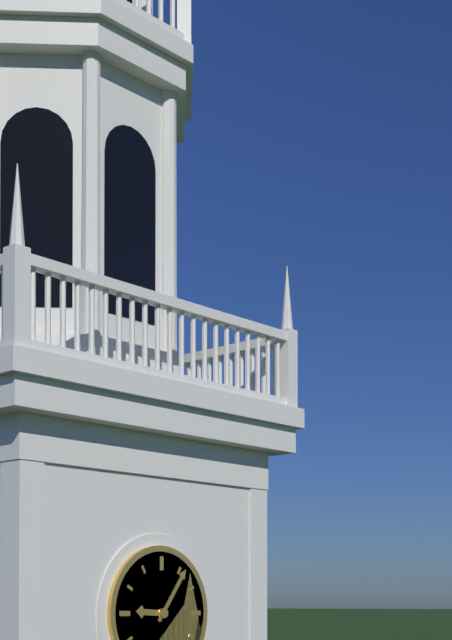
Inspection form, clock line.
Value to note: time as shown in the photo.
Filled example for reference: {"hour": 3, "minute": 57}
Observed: {"hour": 9, "minute": 6}
